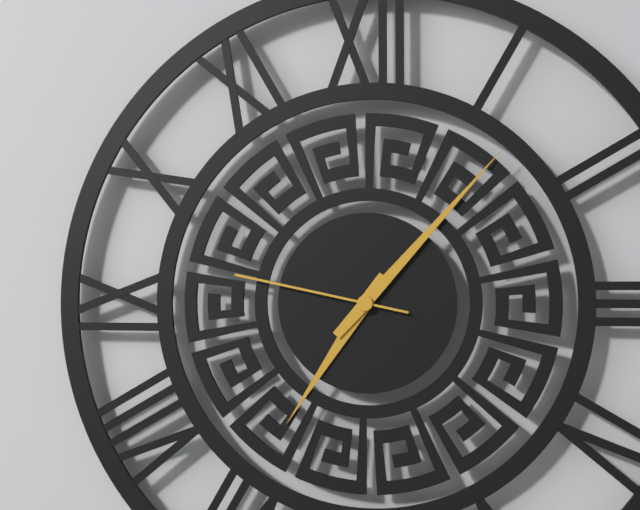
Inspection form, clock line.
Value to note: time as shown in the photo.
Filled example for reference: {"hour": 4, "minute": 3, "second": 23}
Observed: {"hour": 7, "minute": 7, "second": 47}
